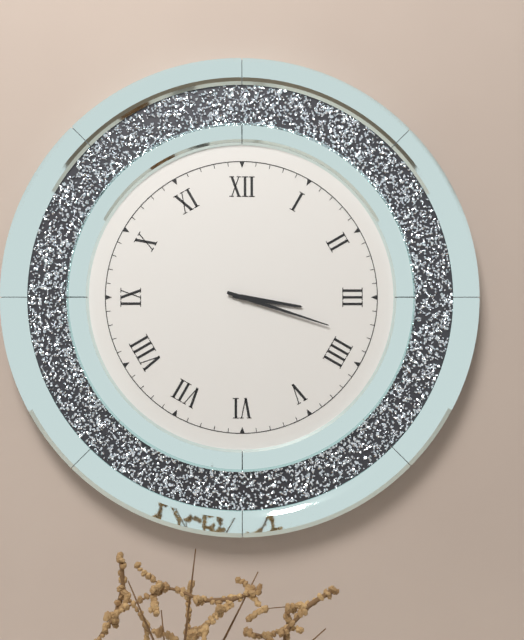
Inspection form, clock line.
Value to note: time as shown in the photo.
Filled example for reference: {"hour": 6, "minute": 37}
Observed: {"hour": 3, "minute": 18}
